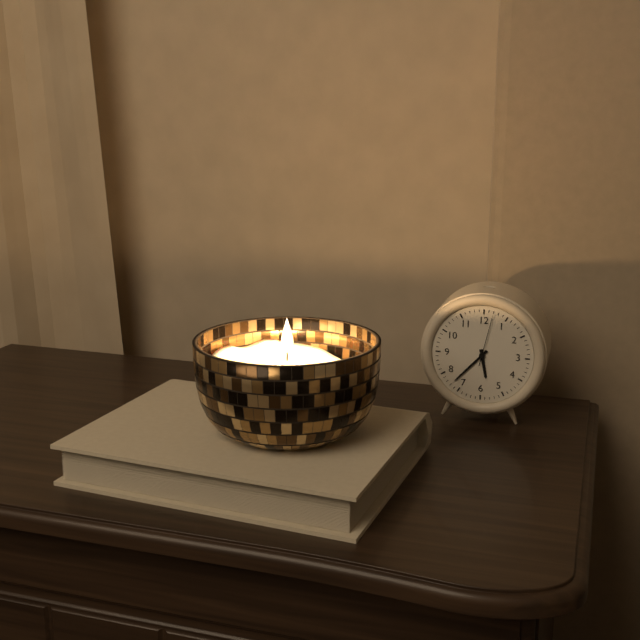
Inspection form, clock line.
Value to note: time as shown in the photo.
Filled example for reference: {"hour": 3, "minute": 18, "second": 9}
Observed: {"hour": 5, "minute": 37, "second": 2}
